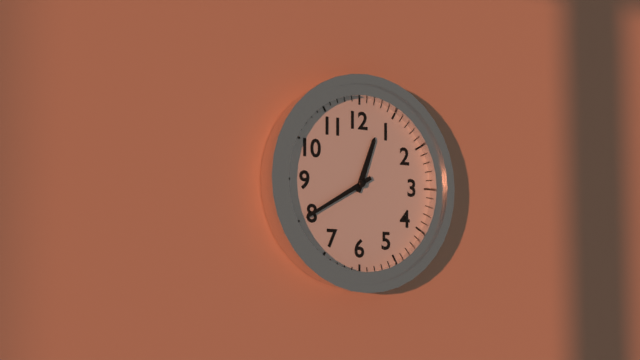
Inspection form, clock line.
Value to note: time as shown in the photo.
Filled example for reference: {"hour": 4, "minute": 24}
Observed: {"hour": 12, "minute": 40}
